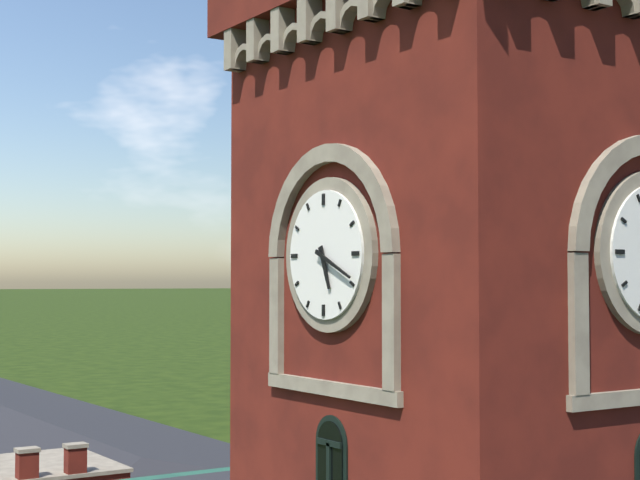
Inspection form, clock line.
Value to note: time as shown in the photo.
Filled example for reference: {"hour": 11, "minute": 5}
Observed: {"hour": 5, "minute": 19}
